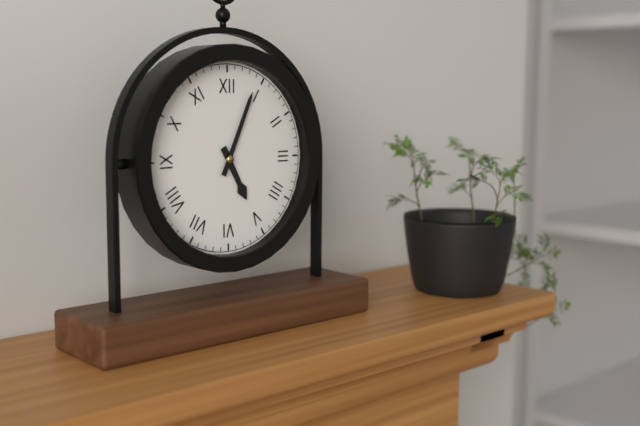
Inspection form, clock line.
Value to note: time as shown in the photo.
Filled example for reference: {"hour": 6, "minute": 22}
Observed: {"hour": 5, "minute": 4}
